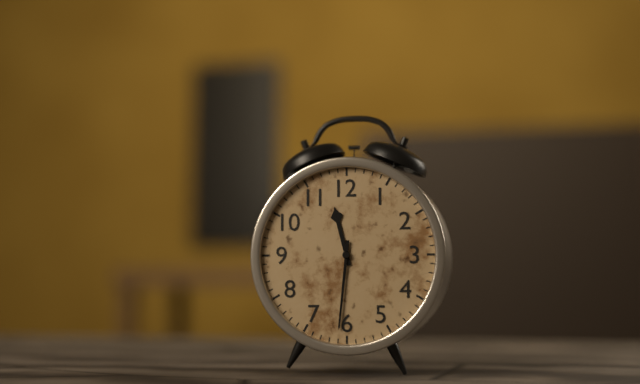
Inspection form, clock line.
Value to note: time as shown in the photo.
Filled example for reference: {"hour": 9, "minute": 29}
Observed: {"hour": 11, "minute": 31}
